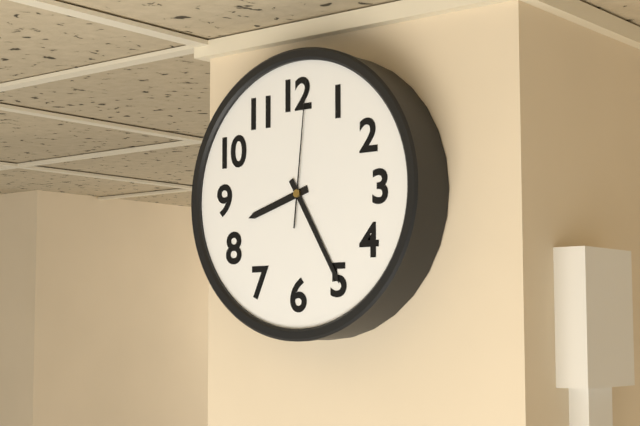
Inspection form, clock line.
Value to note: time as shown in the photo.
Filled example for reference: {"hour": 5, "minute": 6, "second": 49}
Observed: {"hour": 8, "minute": 25, "second": 1}
